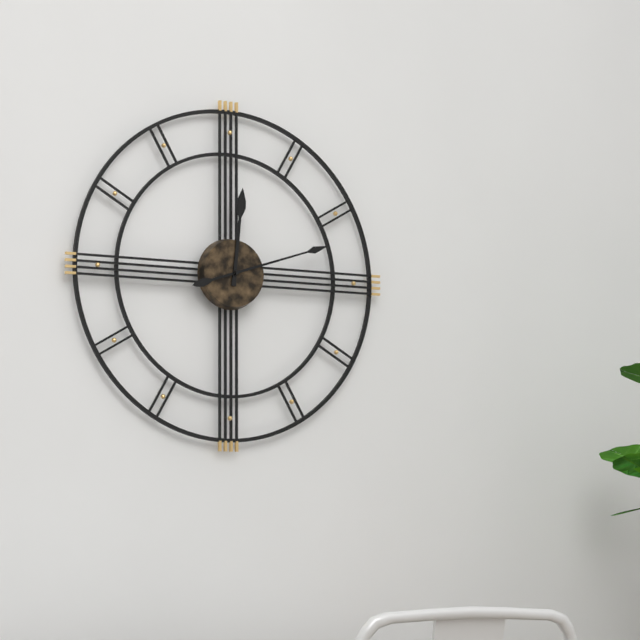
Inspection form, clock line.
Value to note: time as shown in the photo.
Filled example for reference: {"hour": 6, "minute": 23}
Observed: {"hour": 12, "minute": 12}
